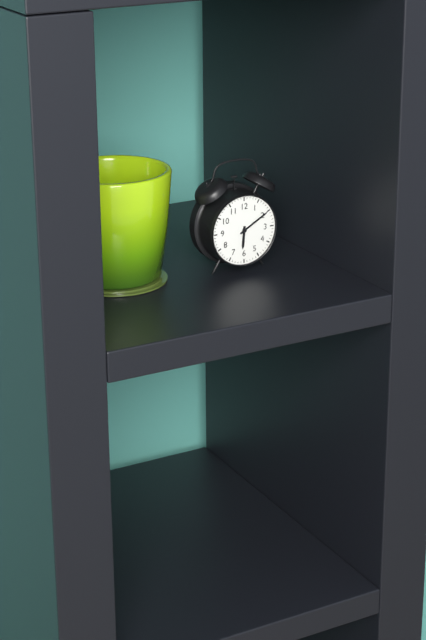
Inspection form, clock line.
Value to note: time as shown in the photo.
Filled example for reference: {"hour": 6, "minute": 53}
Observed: {"hour": 6, "minute": 10}
